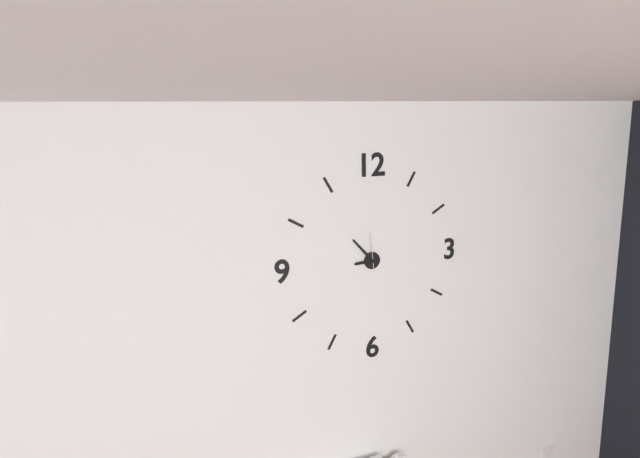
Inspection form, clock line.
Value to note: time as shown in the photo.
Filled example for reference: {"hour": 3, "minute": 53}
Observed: {"hour": 8, "minute": 53}
